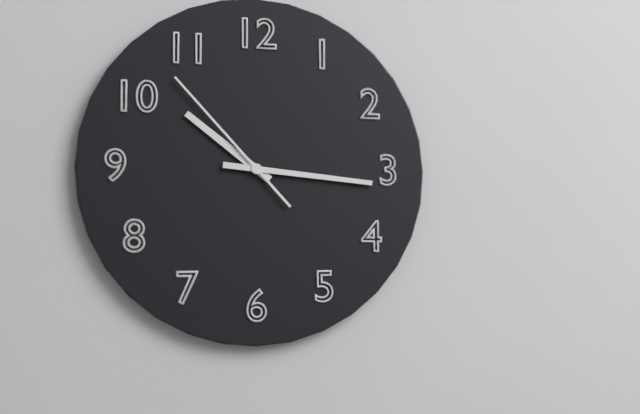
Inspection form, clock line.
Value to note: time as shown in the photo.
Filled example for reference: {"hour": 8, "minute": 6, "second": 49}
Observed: {"hour": 10, "minute": 16, "second": 53}
